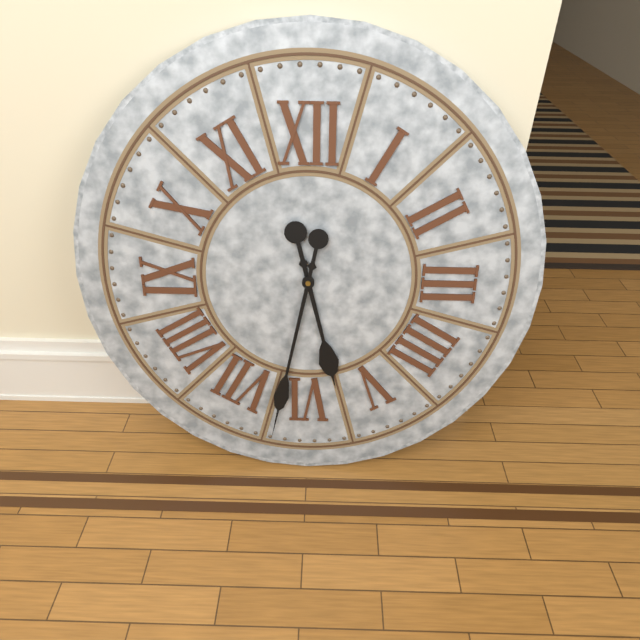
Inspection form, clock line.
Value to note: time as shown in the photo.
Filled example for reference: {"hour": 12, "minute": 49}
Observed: {"hour": 5, "minute": 32}
